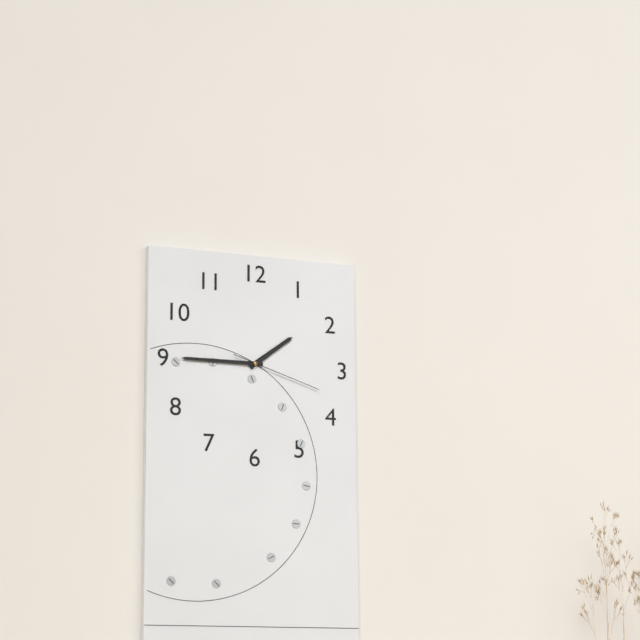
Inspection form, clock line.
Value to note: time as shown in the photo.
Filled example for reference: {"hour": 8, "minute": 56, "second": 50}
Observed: {"hour": 1, "minute": 45, "second": 18}
